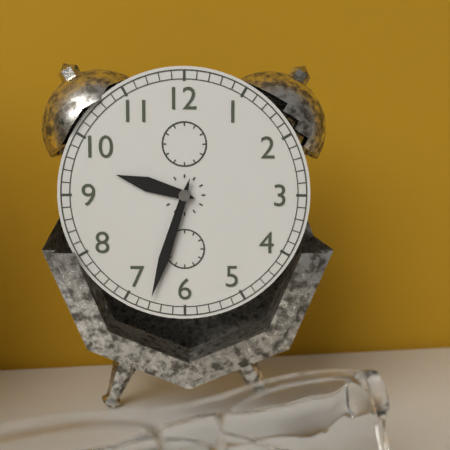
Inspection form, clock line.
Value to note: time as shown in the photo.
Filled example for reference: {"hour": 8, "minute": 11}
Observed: {"hour": 9, "minute": 33}
